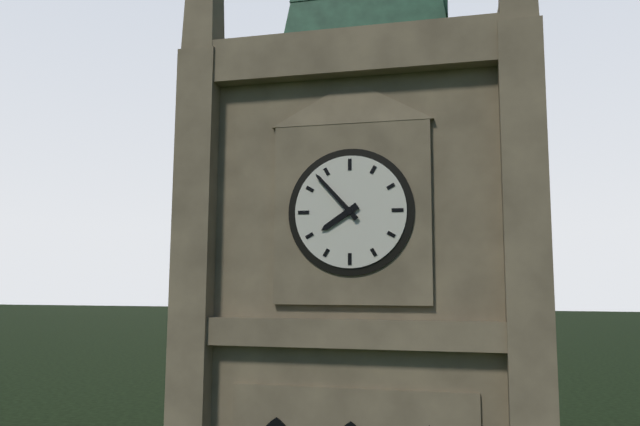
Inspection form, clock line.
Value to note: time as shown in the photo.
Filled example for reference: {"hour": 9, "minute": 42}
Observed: {"hour": 7, "minute": 53}
